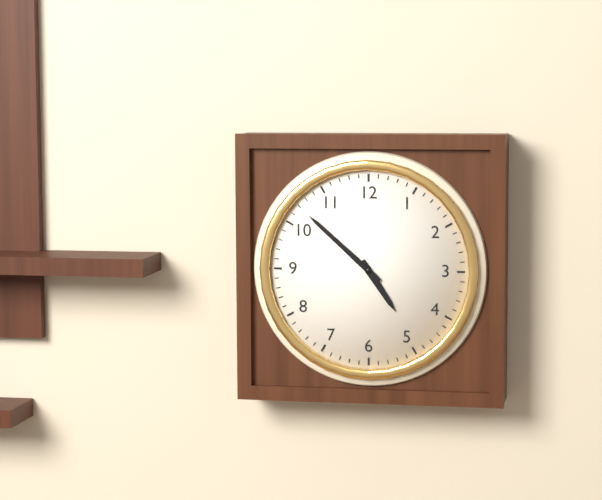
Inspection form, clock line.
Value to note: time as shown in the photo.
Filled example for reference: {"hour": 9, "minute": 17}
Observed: {"hour": 4, "minute": 52}
